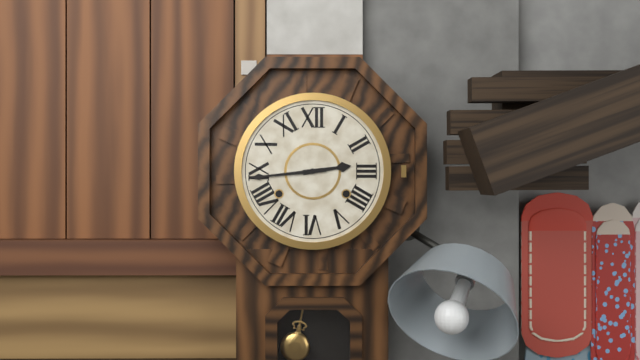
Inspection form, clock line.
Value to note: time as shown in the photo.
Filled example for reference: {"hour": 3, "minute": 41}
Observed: {"hour": 2, "minute": 44}
